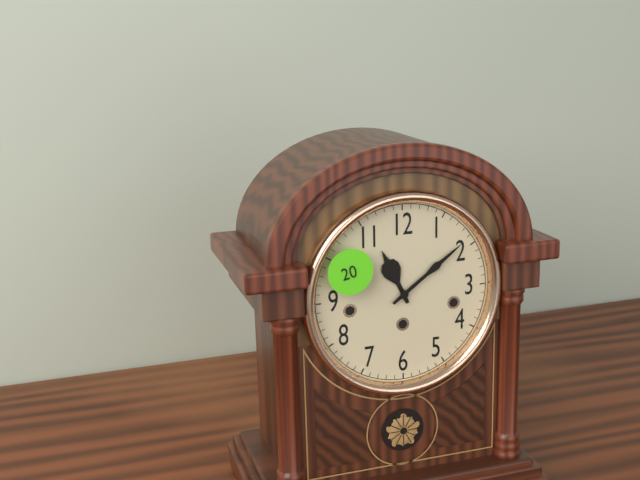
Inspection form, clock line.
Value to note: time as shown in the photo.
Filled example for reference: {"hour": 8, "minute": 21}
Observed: {"hour": 11, "minute": 9}
